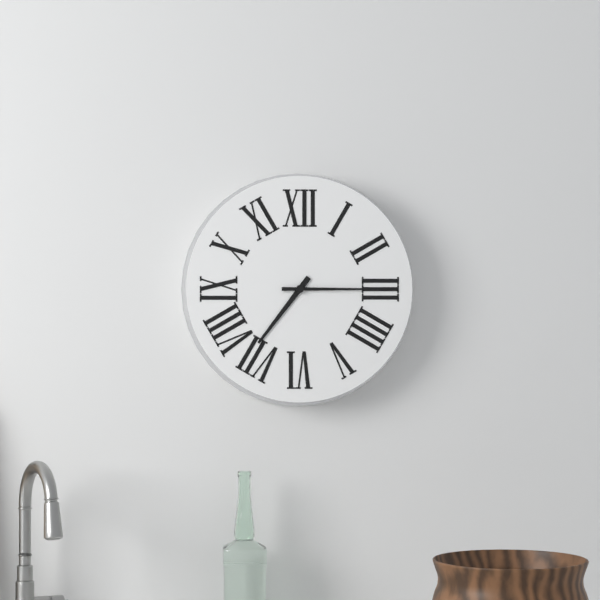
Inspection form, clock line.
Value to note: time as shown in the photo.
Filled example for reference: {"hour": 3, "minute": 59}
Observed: {"hour": 7, "minute": 15}
